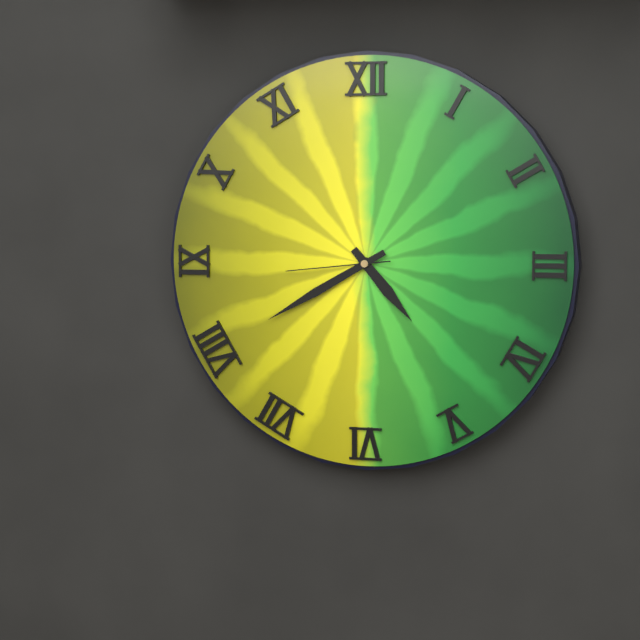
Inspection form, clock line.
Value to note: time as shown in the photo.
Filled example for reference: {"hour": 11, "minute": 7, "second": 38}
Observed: {"hour": 4, "minute": 40, "second": 44}
